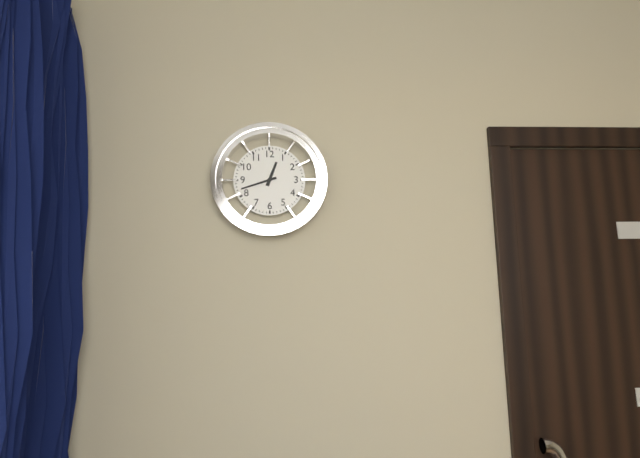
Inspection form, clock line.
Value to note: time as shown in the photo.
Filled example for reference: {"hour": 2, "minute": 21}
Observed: {"hour": 12, "minute": 42}
